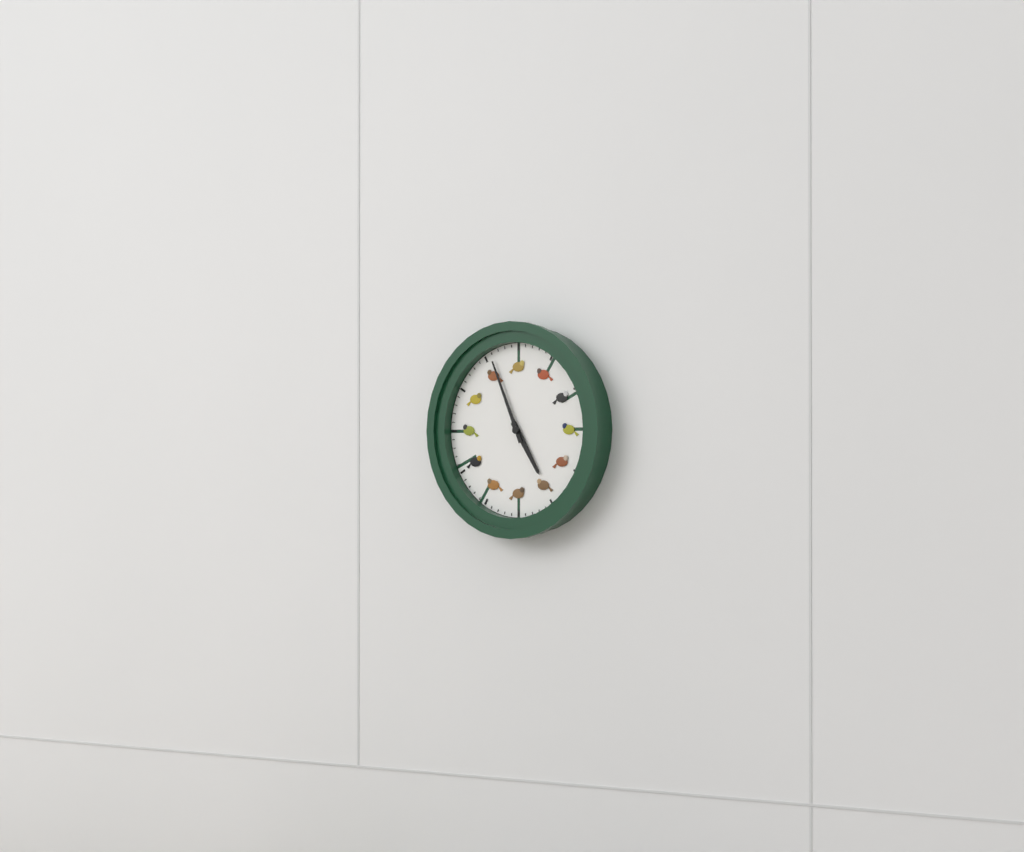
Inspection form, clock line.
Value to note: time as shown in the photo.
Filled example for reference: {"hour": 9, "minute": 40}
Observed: {"hour": 4, "minute": 56}
